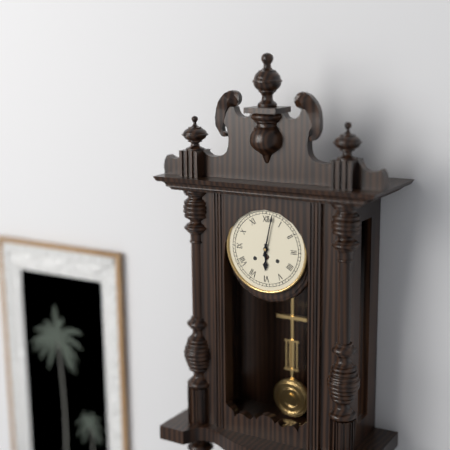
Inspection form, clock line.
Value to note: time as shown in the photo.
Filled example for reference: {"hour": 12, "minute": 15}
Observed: {"hour": 6, "minute": 2}
